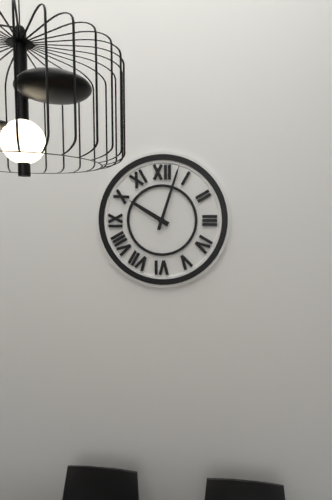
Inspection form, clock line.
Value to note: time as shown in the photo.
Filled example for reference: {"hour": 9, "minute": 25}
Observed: {"hour": 10, "minute": 3}
